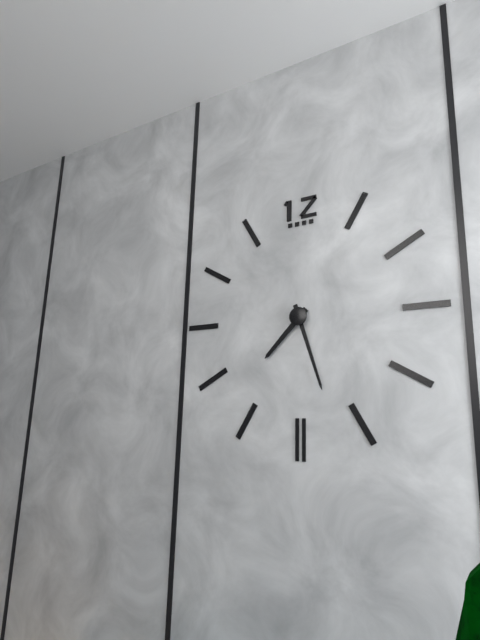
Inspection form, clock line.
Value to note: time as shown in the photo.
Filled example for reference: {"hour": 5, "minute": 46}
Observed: {"hour": 7, "minute": 27}
